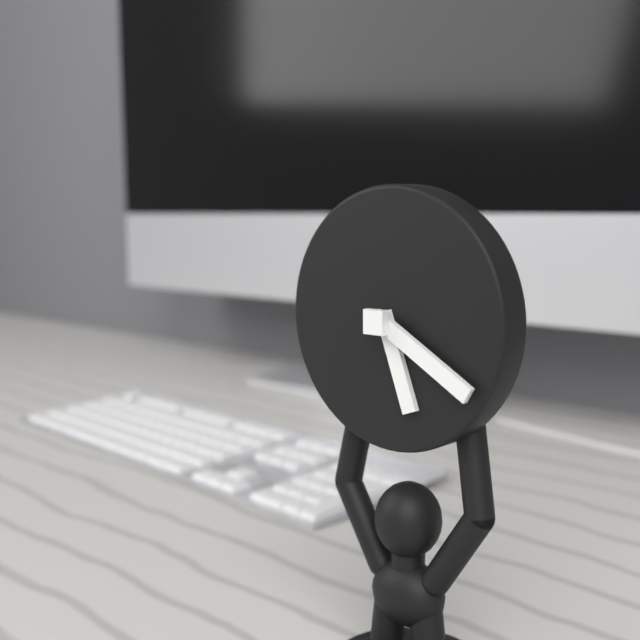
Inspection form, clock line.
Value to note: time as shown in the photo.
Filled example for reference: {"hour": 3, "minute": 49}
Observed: {"hour": 5, "minute": 20}
